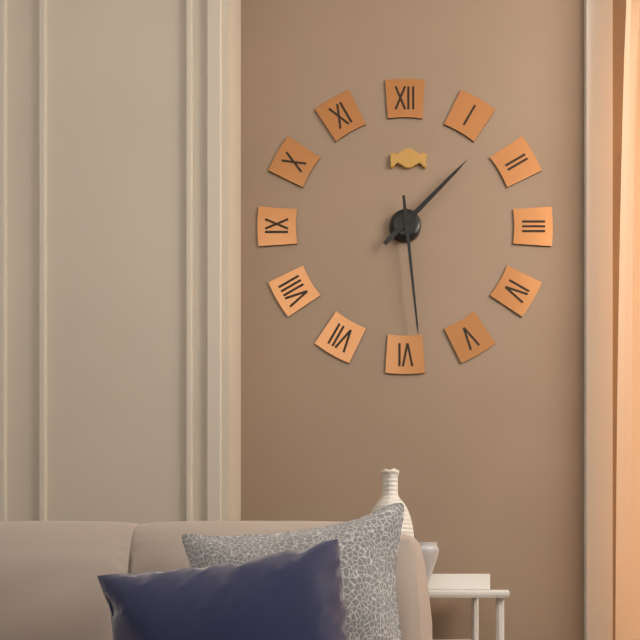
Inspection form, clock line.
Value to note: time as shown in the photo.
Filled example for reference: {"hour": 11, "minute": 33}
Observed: {"hour": 1, "minute": 29}
